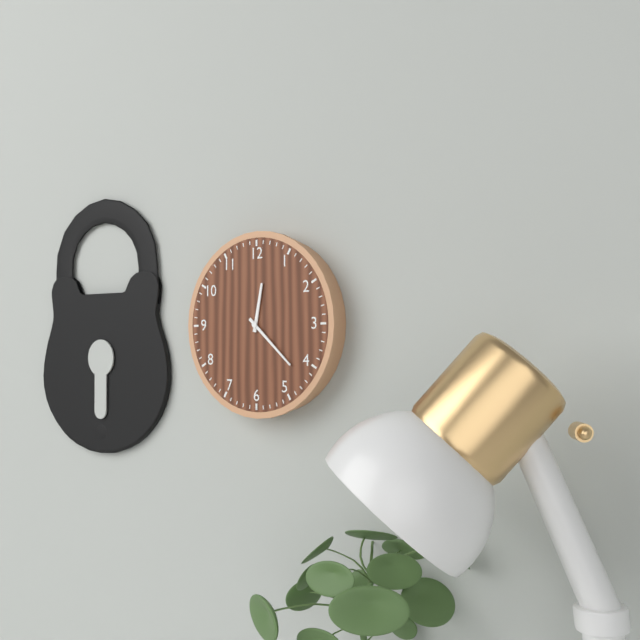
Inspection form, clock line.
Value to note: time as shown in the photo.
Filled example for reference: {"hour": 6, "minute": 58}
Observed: {"hour": 12, "minute": 22}
